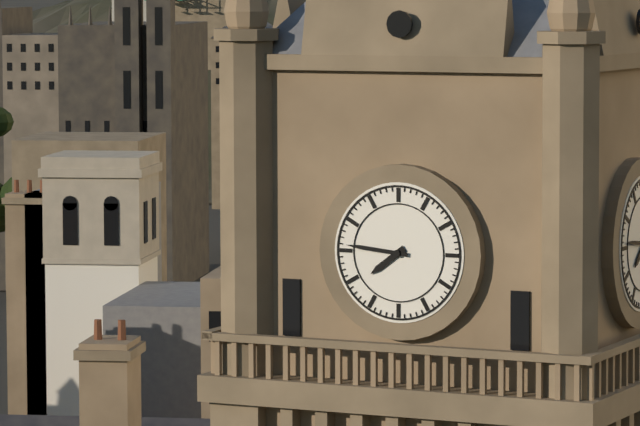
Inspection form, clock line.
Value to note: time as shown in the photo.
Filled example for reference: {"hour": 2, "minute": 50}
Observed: {"hour": 7, "minute": 46}
